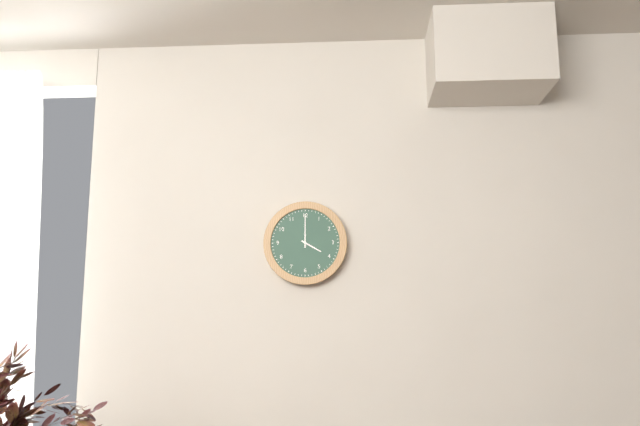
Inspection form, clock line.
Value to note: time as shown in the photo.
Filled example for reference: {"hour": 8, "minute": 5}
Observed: {"hour": 4, "minute": 0}
